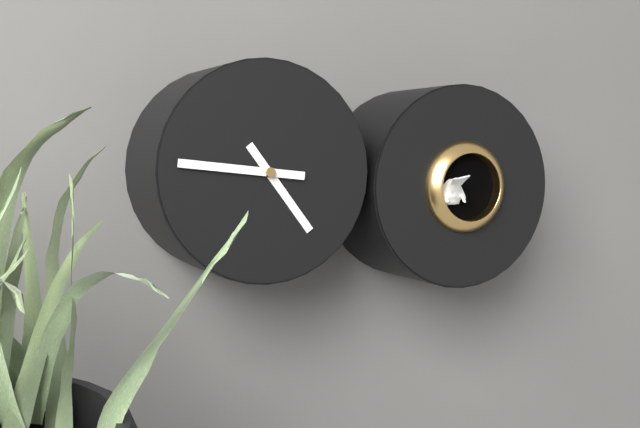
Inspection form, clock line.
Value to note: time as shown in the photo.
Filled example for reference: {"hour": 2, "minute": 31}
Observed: {"hour": 4, "minute": 46}
